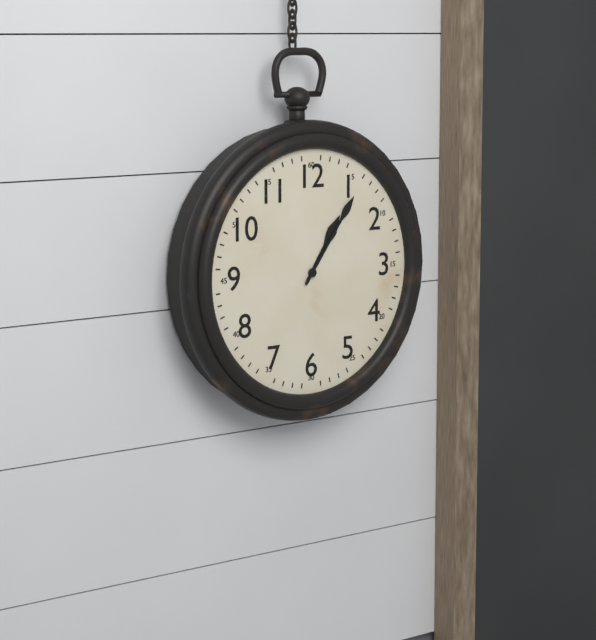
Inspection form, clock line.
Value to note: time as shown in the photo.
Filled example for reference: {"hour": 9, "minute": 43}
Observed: {"hour": 1, "minute": 6}
